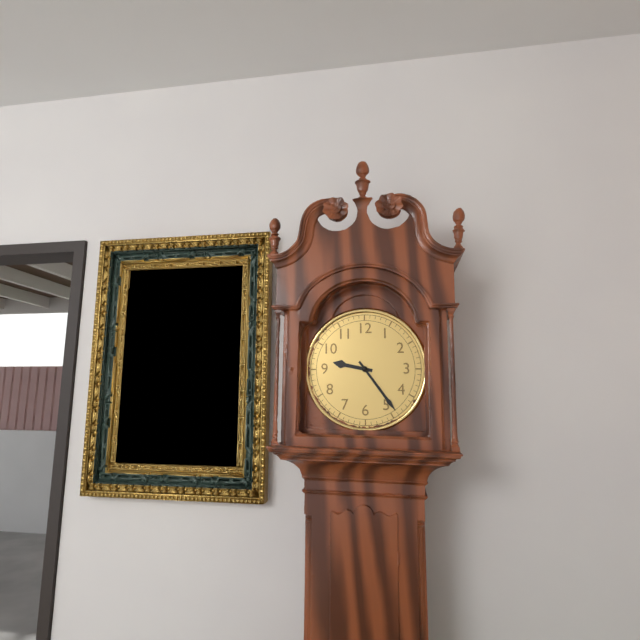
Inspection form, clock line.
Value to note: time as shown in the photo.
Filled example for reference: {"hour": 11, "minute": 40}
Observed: {"hour": 9, "minute": 24}
